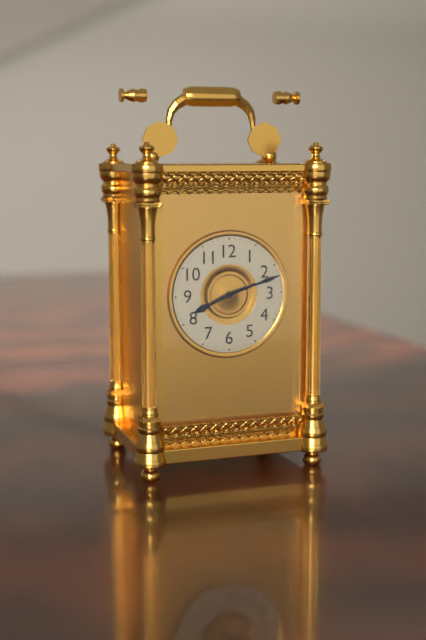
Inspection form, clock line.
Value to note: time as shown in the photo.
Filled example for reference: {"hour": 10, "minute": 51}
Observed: {"hour": 8, "minute": 12}
